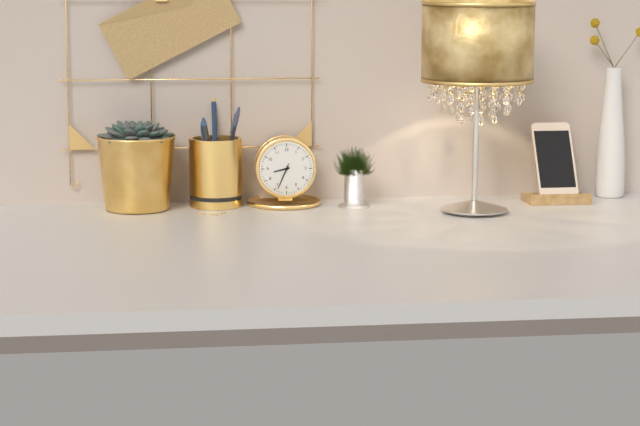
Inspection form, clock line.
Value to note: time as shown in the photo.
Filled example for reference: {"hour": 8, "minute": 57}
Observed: {"hour": 8, "minute": 34}
